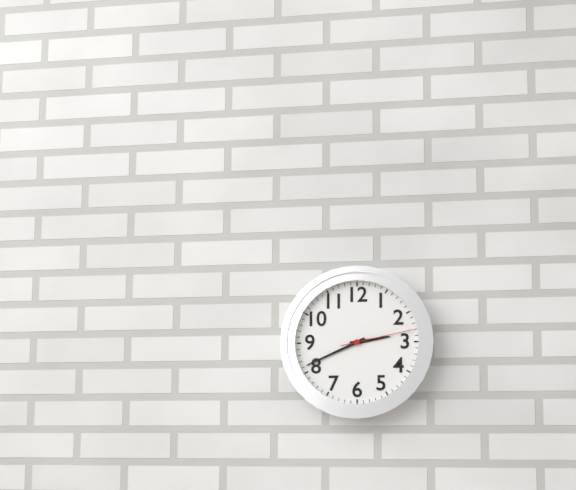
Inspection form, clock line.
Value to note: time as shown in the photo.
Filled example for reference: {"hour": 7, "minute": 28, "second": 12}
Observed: {"hour": 2, "minute": 41, "second": 13}
